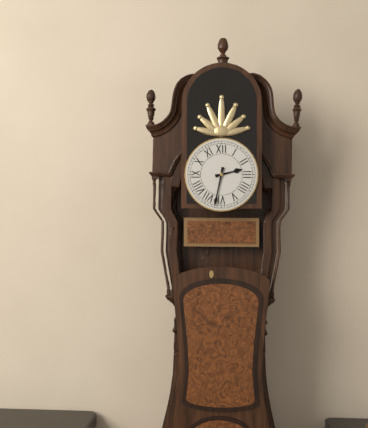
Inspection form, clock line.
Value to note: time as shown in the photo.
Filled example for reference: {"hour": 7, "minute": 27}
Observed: {"hour": 2, "minute": 32}
